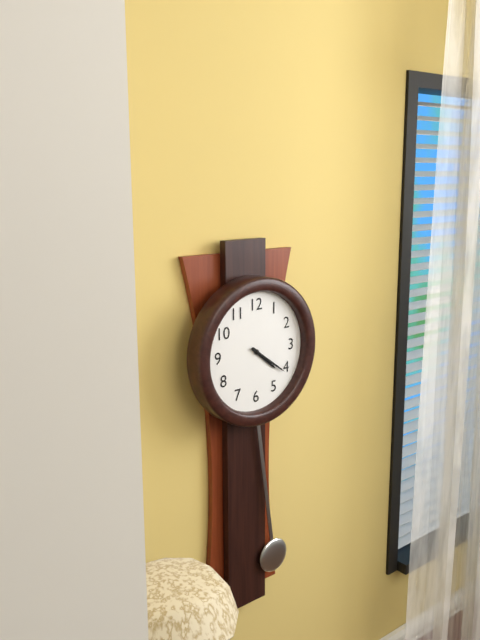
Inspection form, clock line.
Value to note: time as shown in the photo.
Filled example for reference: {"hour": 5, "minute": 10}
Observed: {"hour": 4, "minute": 21}
